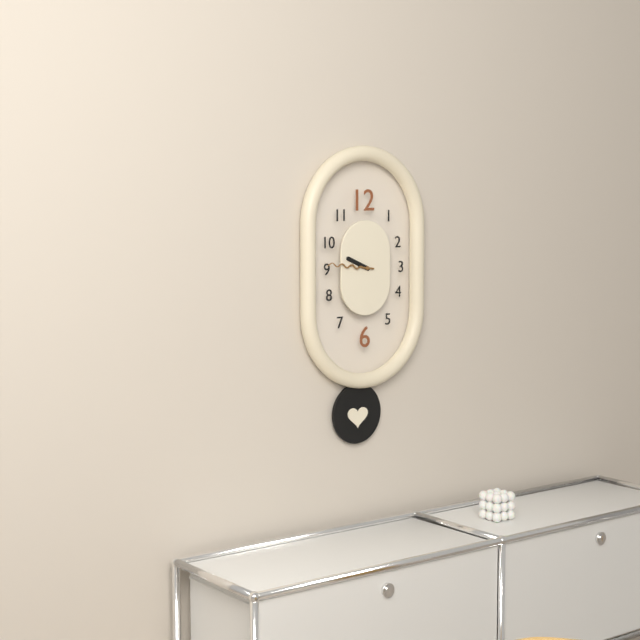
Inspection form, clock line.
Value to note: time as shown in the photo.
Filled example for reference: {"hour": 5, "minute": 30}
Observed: {"hour": 9, "minute": 46}
